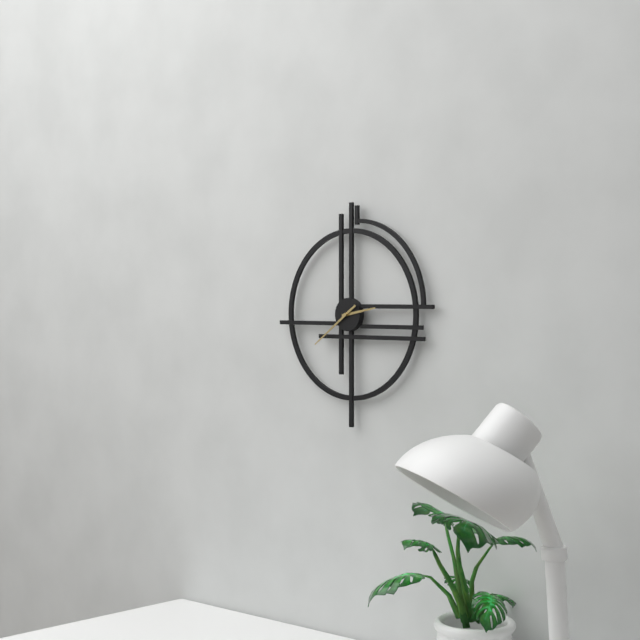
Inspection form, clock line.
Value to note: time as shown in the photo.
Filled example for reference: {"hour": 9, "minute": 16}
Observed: {"hour": 2, "minute": 39}
